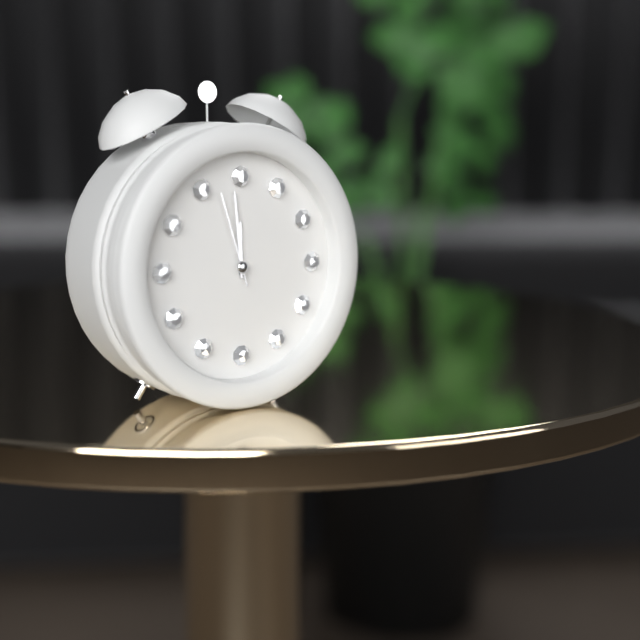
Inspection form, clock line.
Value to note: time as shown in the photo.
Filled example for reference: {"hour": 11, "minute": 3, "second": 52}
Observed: {"hour": 11, "minute": 59, "second": 57}
